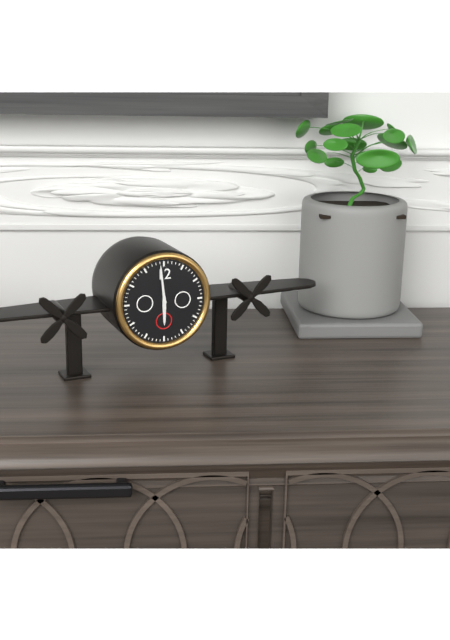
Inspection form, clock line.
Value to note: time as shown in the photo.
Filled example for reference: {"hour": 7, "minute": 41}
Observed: {"hour": 5, "minute": 59}
